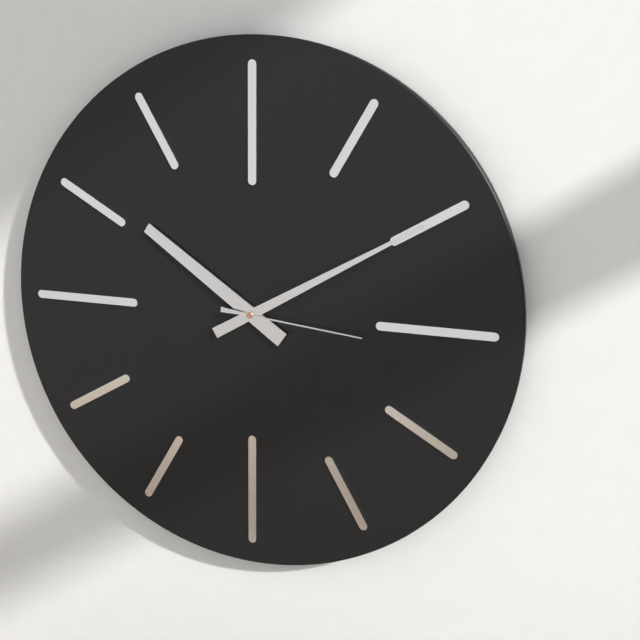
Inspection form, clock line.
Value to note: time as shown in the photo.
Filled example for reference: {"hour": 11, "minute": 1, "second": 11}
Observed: {"hour": 10, "minute": 10, "second": 16}
